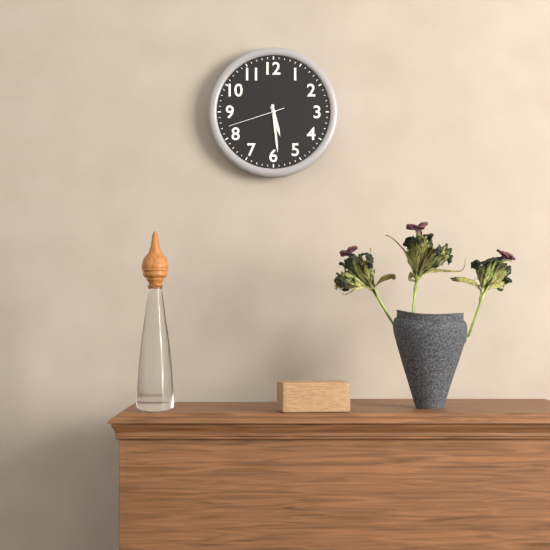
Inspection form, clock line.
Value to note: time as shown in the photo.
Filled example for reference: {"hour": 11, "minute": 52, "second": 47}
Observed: {"hour": 5, "minute": 29, "second": 42}
